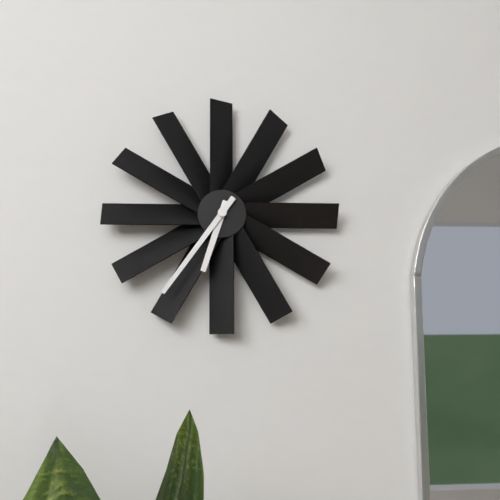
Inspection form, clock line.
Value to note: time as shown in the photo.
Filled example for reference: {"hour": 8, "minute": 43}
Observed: {"hour": 6, "minute": 36}
